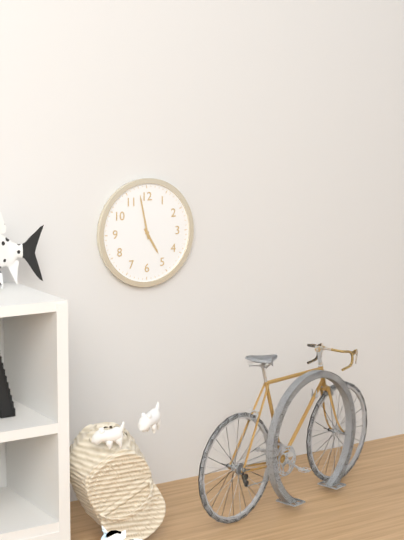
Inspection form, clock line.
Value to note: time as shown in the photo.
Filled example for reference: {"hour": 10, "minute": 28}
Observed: {"hour": 4, "minute": 58}
